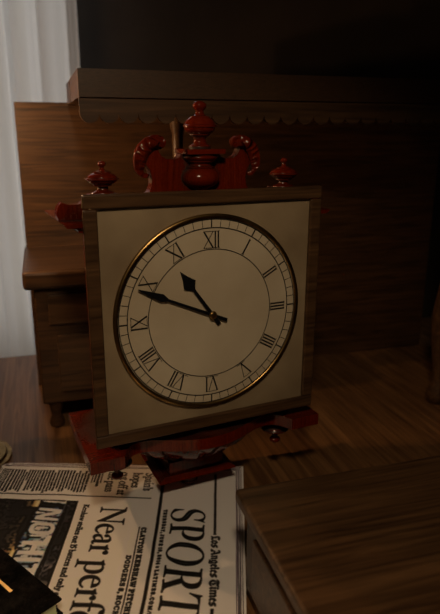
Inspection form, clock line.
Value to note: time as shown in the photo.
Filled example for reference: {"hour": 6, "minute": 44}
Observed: {"hour": 10, "minute": 49}
